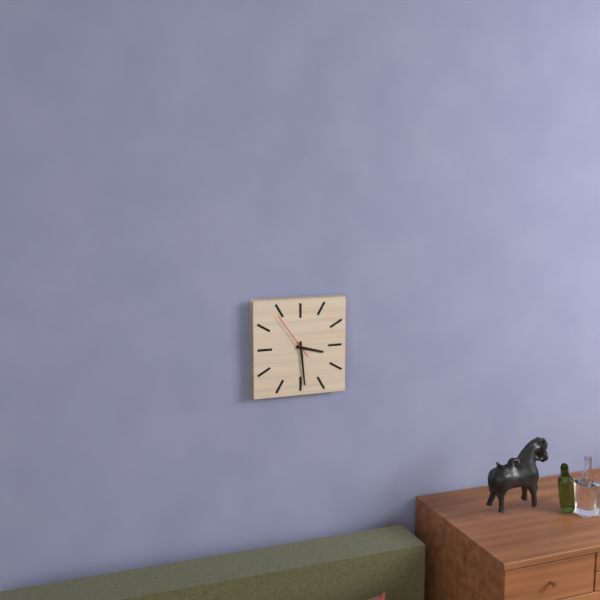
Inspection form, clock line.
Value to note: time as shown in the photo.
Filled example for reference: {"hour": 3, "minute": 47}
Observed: {"hour": 3, "minute": 29}
